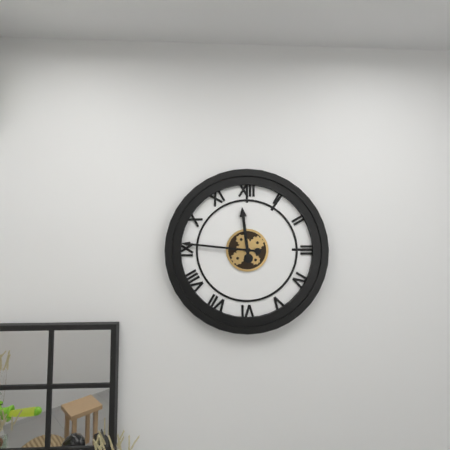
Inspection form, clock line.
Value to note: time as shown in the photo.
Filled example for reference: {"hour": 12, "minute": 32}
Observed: {"hour": 11, "minute": 46}
